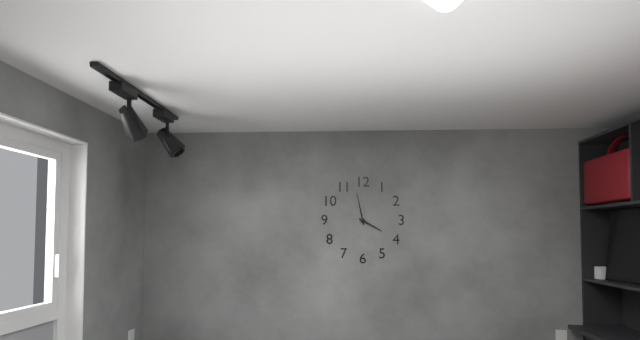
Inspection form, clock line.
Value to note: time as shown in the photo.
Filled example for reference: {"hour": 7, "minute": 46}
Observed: {"hour": 3, "minute": 58}
